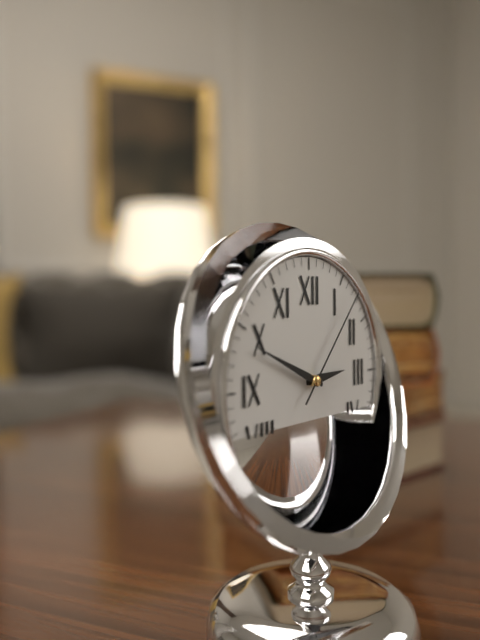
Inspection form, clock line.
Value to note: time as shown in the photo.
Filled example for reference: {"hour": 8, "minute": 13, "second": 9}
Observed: {"hour": 2, "minute": 49, "second": 7}
